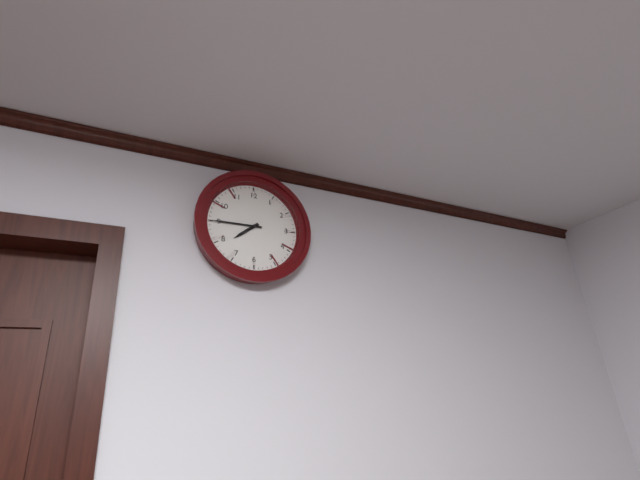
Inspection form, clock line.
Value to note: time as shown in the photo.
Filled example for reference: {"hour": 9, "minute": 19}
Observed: {"hour": 7, "minute": 45}
